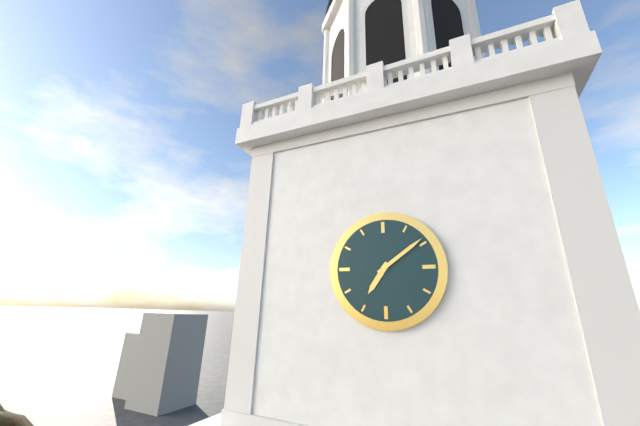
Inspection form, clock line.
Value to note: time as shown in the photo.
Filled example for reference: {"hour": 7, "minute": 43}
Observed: {"hour": 7, "minute": 9}
